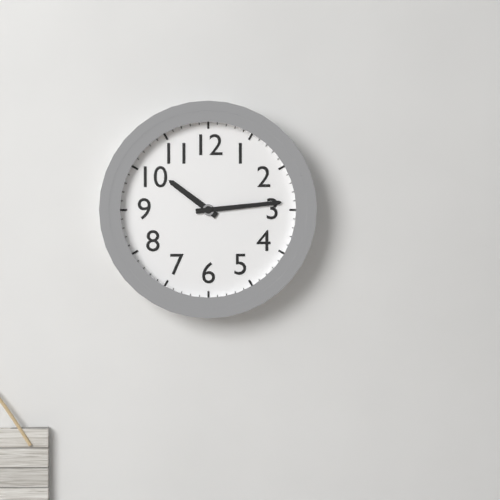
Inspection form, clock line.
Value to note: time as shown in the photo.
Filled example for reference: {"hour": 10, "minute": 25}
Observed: {"hour": 10, "minute": 14}
